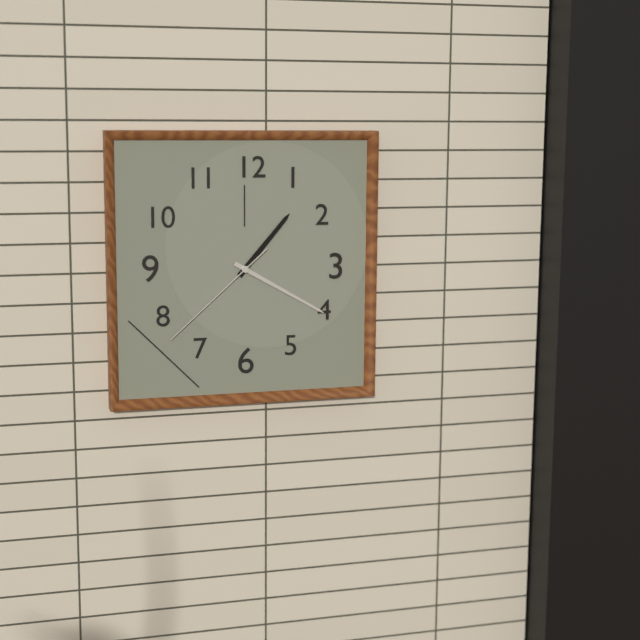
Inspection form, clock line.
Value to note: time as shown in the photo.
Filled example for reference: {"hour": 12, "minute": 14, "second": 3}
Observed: {"hour": 1, "minute": 20, "second": 38}
